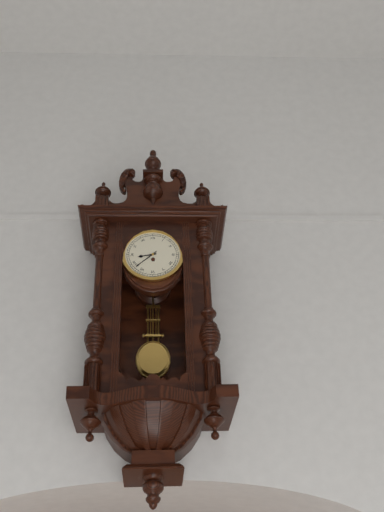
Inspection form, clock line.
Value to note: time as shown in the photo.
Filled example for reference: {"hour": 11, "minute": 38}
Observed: {"hour": 8, "minute": 38}
